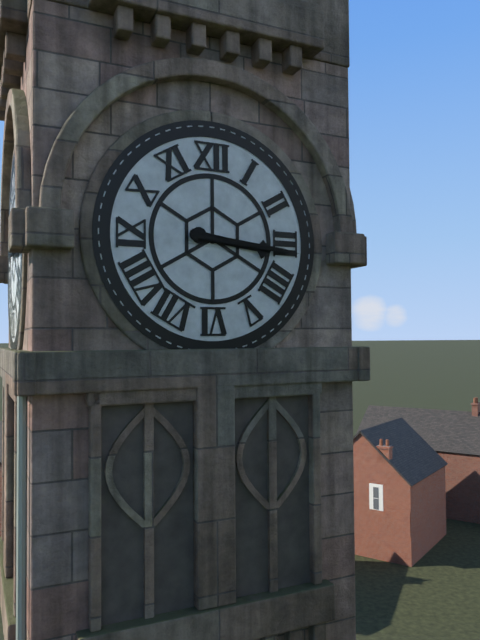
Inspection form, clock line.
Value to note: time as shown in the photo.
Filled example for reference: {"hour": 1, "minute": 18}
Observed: {"hour": 3, "minute": 16}
